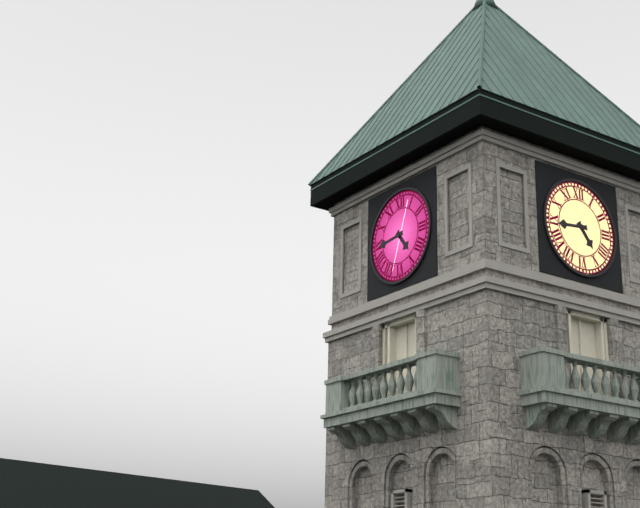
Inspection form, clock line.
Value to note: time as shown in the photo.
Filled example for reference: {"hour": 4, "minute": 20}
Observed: {"hour": 4, "minute": 44}
